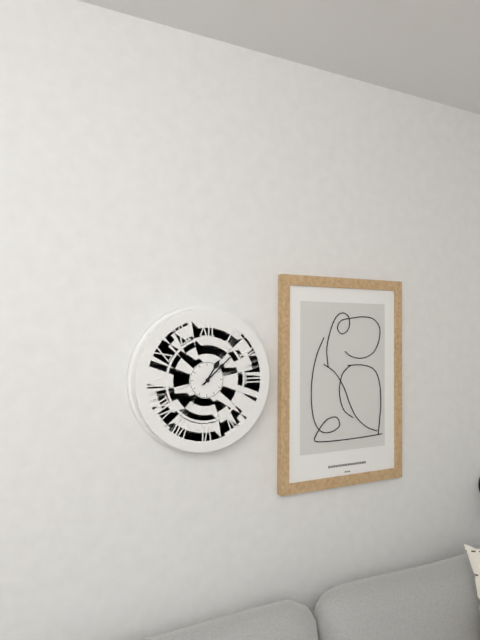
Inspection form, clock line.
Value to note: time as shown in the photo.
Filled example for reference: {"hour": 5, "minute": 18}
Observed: {"hour": 1, "minute": 8}
